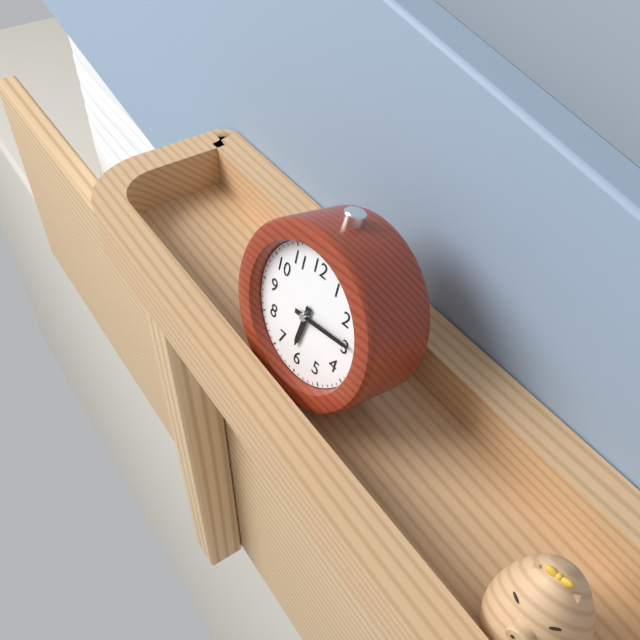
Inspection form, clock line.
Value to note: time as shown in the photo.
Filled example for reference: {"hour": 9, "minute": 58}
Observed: {"hour": 6, "minute": 14}
